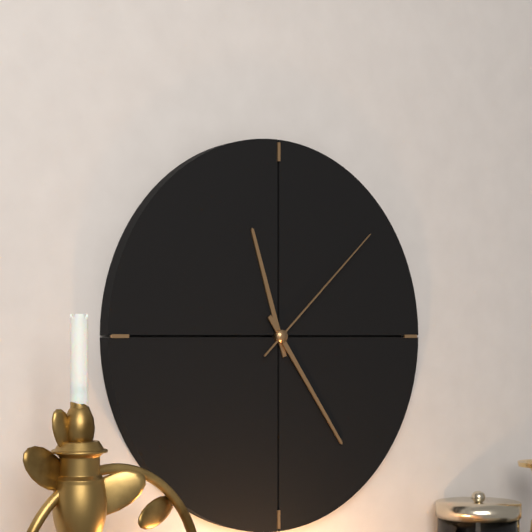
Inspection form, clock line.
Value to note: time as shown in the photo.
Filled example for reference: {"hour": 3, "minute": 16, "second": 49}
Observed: {"hour": 11, "minute": 24, "second": 8}
